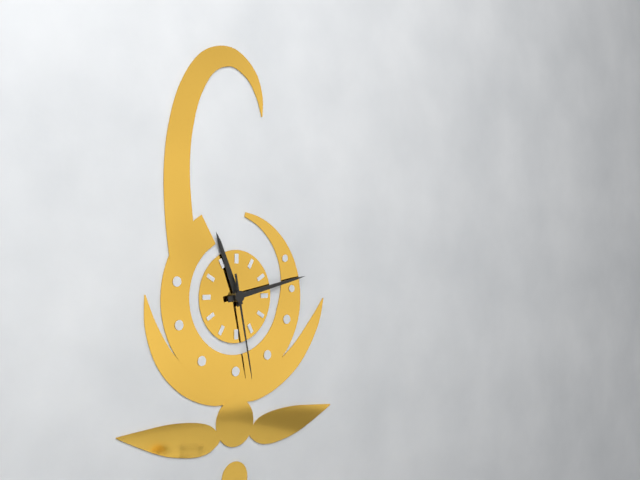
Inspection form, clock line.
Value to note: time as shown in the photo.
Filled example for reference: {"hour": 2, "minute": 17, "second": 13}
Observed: {"hour": 11, "minute": 13, "second": 28}
